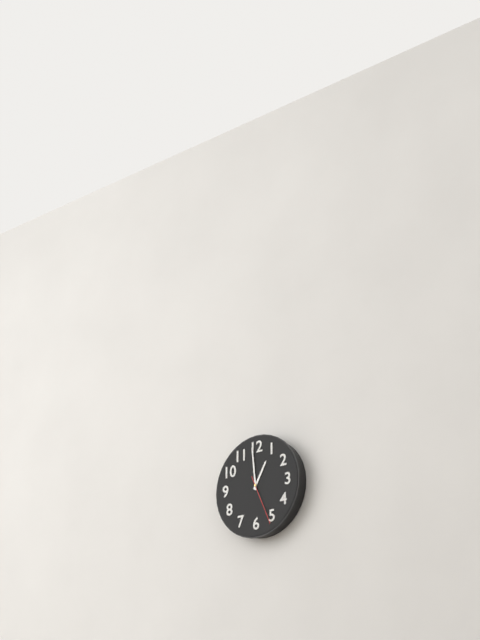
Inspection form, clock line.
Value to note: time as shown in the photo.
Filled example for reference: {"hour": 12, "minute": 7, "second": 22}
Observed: {"hour": 12, "minute": 59, "second": 26}
